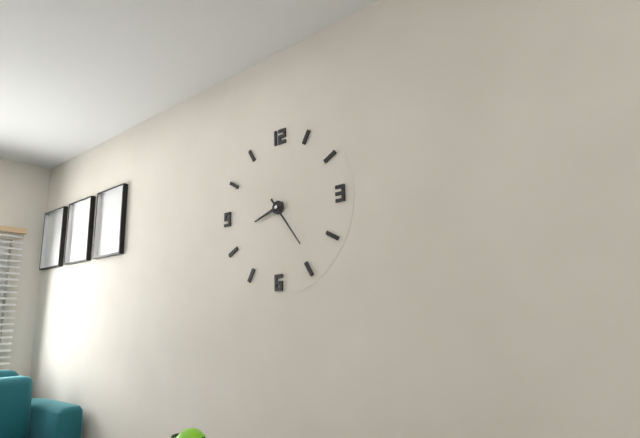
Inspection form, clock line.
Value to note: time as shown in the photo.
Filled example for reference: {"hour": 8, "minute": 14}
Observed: {"hour": 8, "minute": 24}
